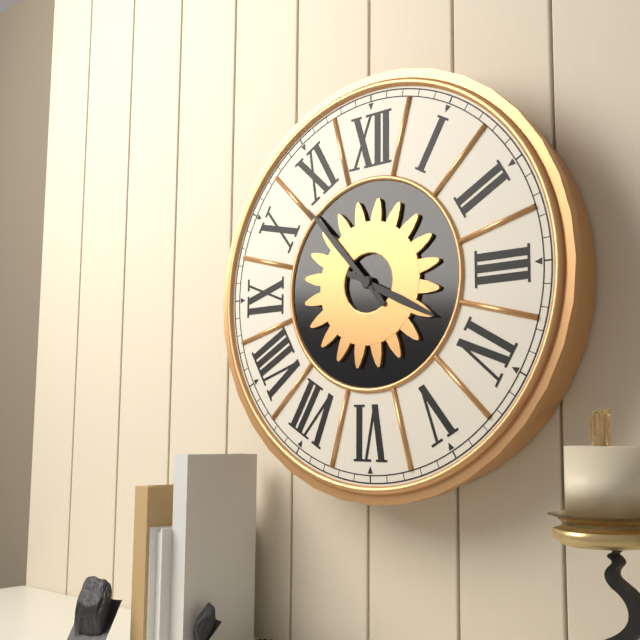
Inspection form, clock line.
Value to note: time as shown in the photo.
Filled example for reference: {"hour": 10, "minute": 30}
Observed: {"hour": 3, "minute": 53}
